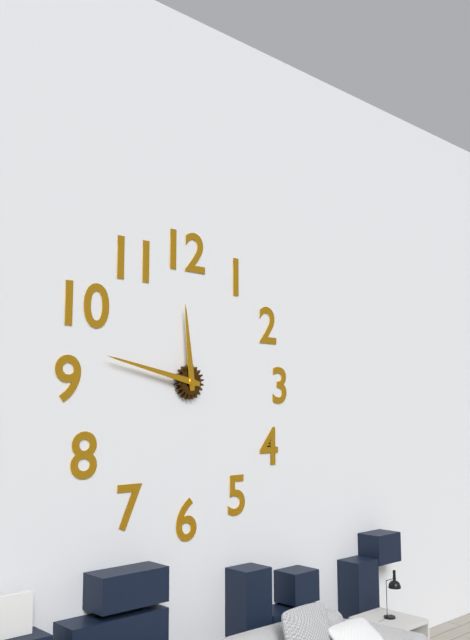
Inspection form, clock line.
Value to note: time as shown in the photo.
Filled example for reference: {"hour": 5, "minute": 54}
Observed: {"hour": 11, "minute": 47}
